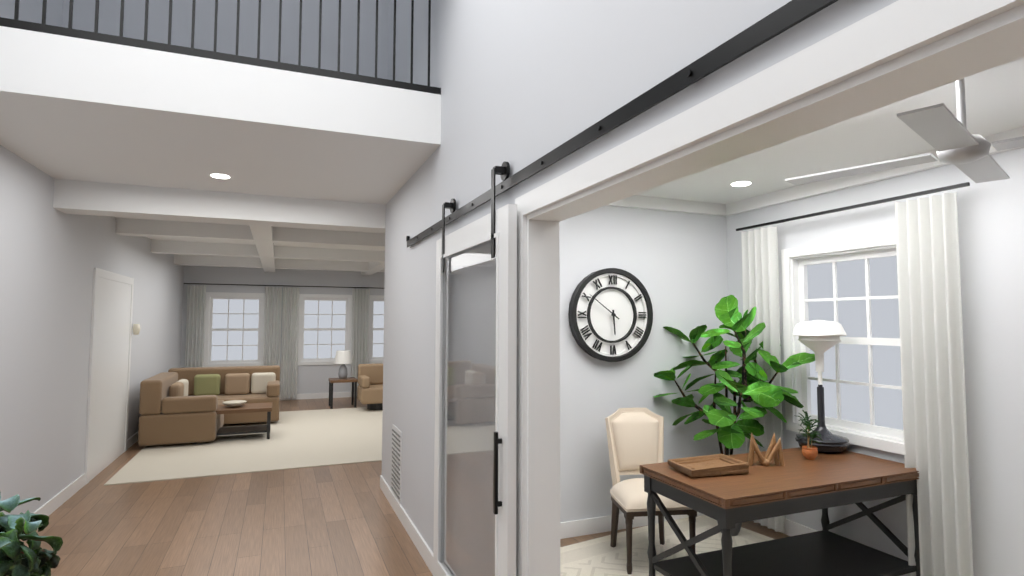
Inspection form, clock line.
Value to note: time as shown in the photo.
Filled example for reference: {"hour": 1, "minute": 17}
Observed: {"hour": 5, "minute": 51}
